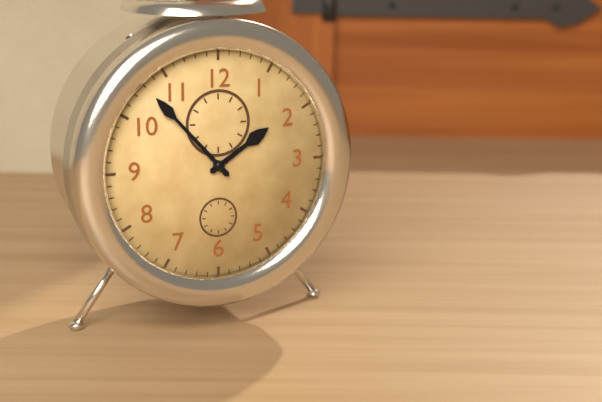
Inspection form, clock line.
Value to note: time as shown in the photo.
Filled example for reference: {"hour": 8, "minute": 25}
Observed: {"hour": 1, "minute": 53}
